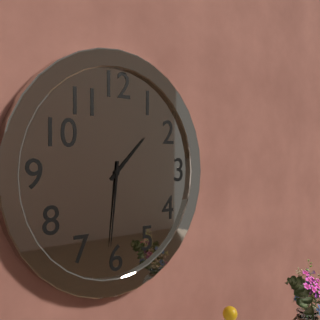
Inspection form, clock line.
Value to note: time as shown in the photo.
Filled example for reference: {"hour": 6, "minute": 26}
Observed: {"hour": 1, "minute": 31}
